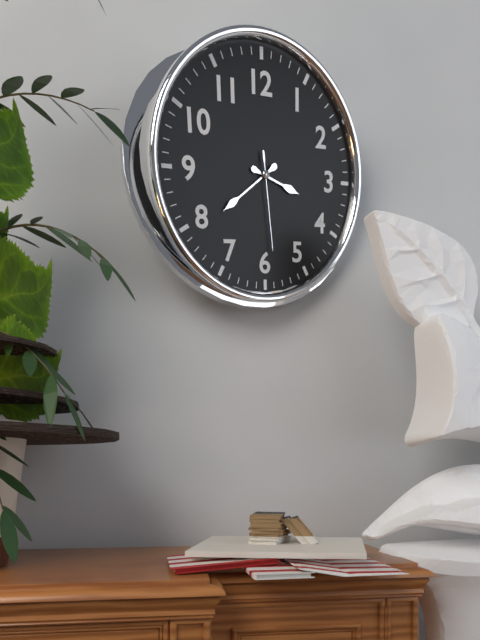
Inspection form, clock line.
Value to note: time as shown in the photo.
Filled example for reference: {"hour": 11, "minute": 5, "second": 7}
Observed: {"hour": 3, "minute": 39, "second": 29}
